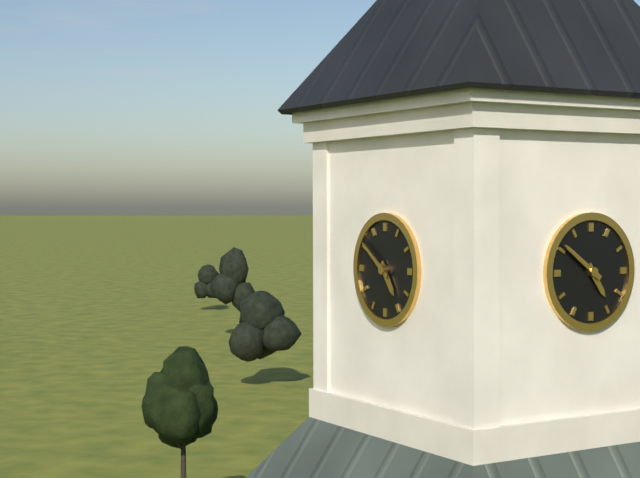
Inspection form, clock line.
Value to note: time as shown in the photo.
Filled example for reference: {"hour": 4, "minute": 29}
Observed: {"hour": 4, "minute": 51}
